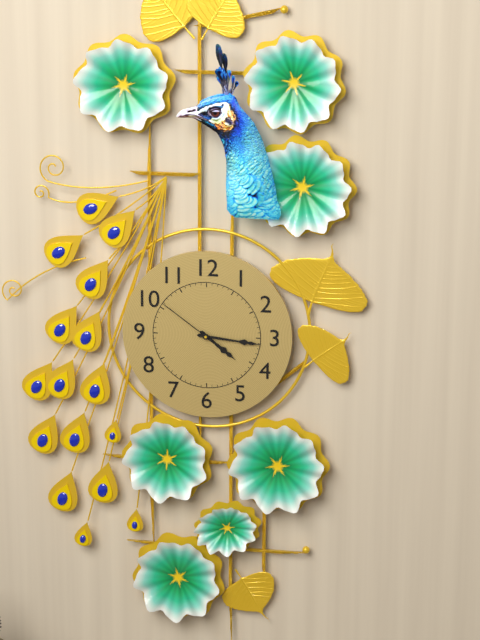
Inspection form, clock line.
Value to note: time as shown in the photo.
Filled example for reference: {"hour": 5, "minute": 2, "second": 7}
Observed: {"hour": 4, "minute": 16, "second": 51}
